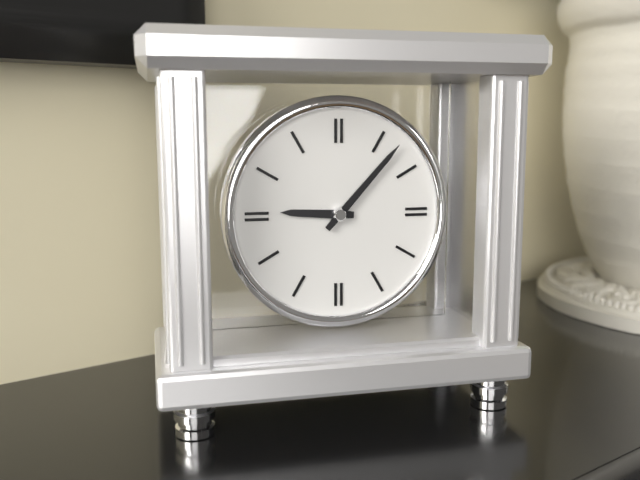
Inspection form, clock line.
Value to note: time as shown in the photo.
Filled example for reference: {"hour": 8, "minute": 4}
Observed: {"hour": 9, "minute": 7}
